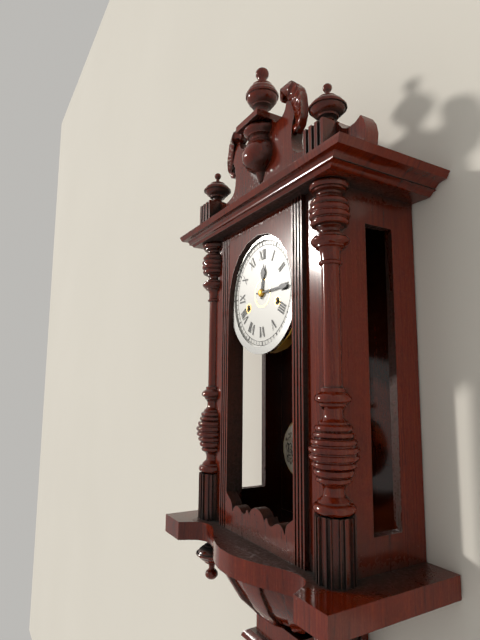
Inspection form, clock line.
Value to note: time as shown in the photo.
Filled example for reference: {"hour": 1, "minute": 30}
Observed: {"hour": 12, "minute": 15}
